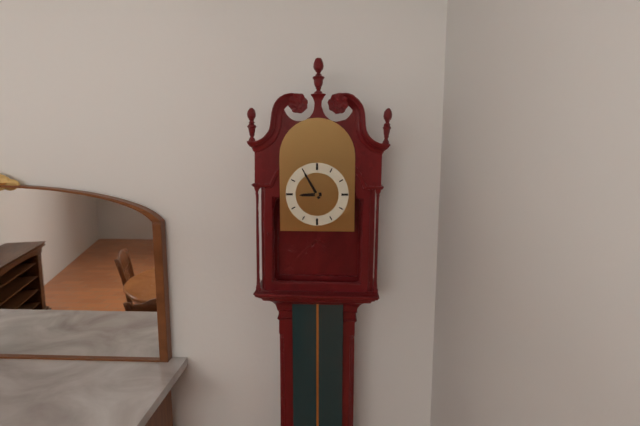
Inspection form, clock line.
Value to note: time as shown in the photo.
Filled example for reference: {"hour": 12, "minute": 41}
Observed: {"hour": 8, "minute": 55}
